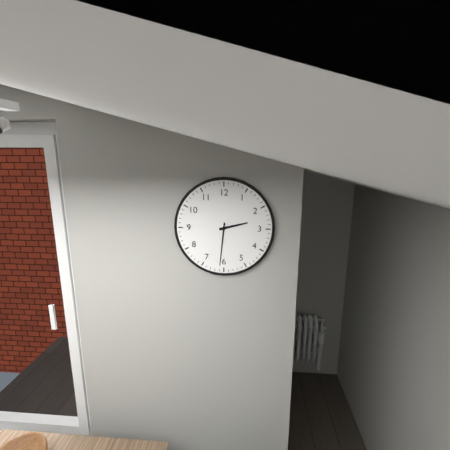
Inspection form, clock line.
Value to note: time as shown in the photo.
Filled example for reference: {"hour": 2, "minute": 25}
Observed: {"hour": 2, "minute": 31}
